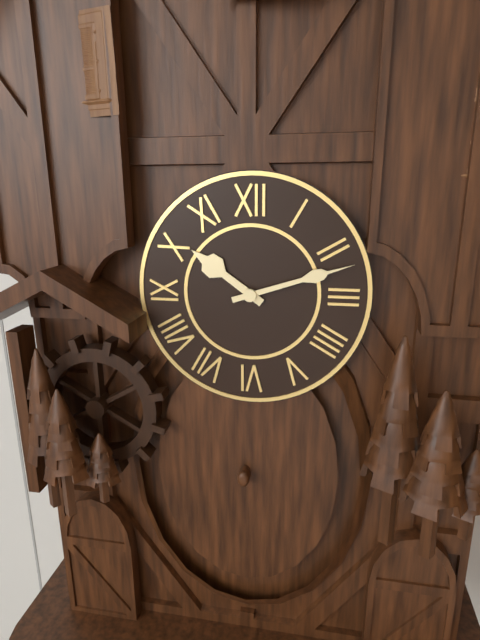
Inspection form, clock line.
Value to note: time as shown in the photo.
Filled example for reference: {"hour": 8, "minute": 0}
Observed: {"hour": 10, "minute": 12}
